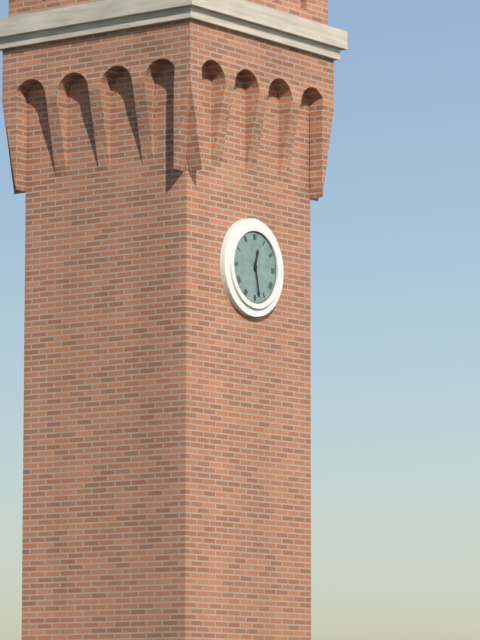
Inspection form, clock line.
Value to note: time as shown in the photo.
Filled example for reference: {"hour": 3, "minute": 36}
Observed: {"hour": 12, "minute": 28}
